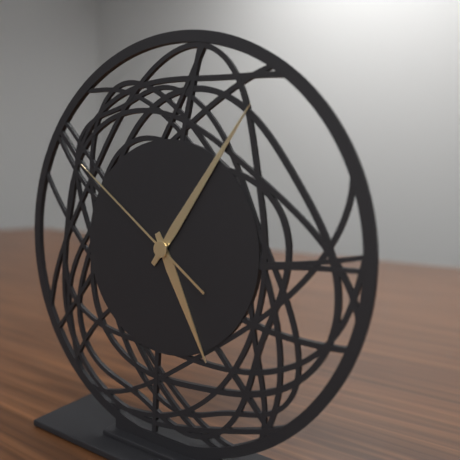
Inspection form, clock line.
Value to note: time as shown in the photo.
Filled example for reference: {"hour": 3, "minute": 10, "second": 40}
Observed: {"hour": 5, "minute": 6, "second": 51}
